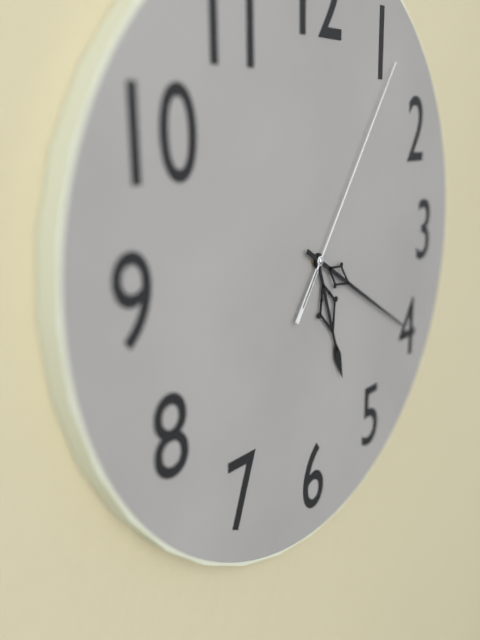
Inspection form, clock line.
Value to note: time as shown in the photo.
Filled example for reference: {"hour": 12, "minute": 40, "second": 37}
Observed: {"hour": 5, "minute": 20, "second": 6}
